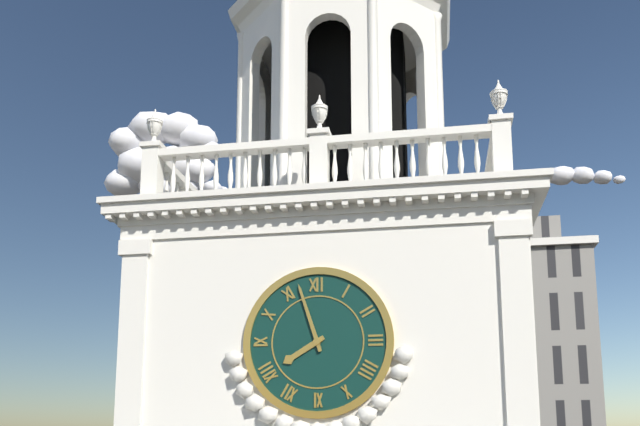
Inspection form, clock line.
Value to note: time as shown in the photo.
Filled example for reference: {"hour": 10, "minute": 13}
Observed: {"hour": 7, "minute": 57}
